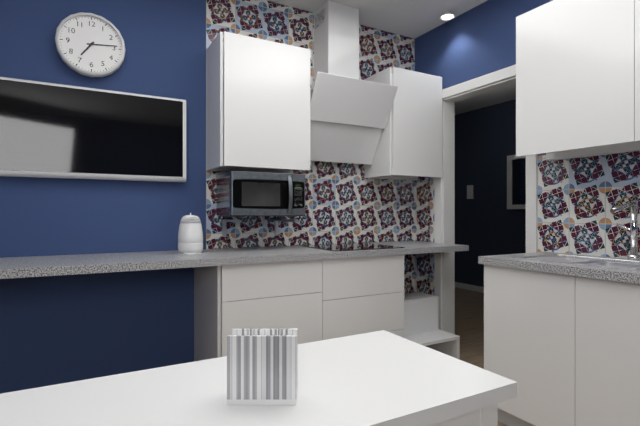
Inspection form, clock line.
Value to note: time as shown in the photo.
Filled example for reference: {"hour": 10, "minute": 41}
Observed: {"hour": 7, "minute": 14}
